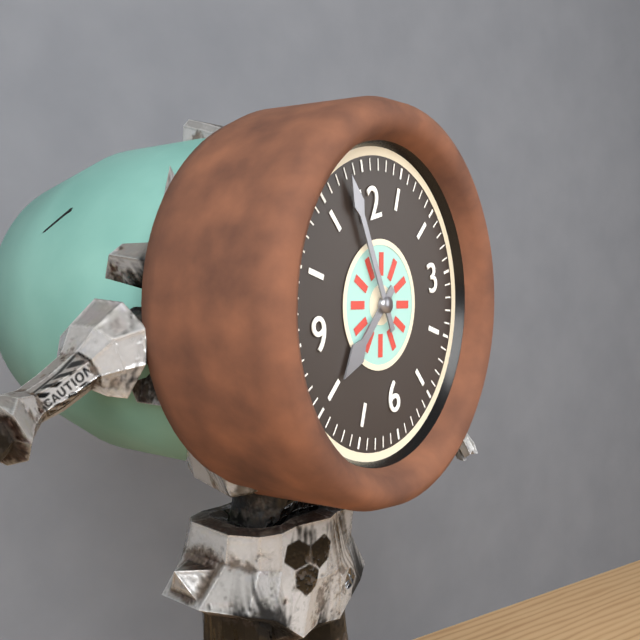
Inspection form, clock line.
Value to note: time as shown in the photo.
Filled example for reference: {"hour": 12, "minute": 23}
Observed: {"hour": 7, "minute": 58}
